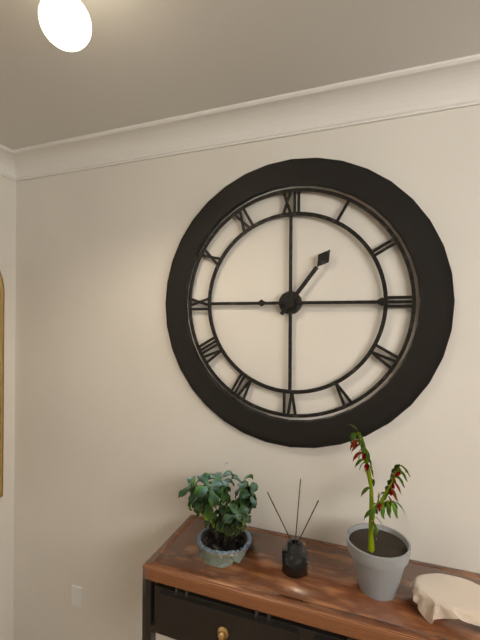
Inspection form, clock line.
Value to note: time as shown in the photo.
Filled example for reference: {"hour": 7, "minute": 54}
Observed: {"hour": 1, "minute": 15}
